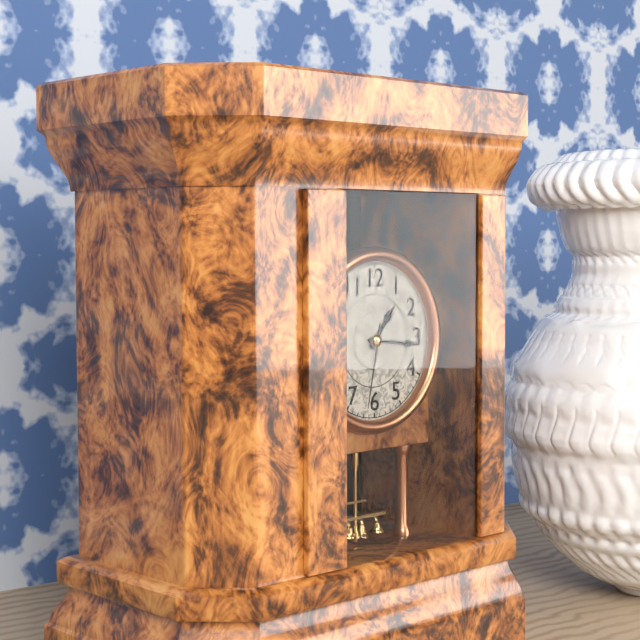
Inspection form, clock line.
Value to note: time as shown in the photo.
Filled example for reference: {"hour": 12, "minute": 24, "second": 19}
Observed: {"hour": 1, "minute": 16, "second": 32}
